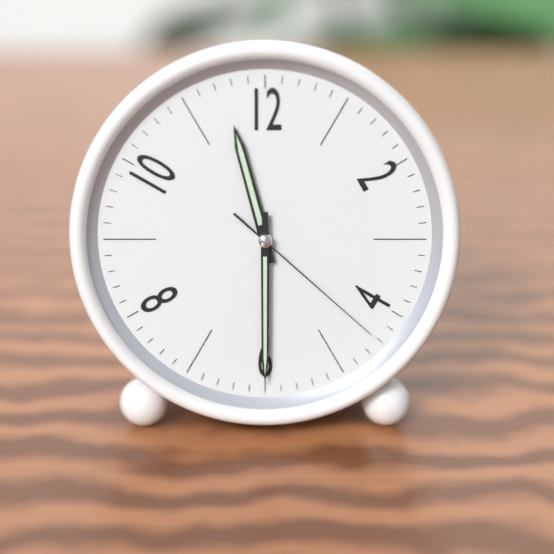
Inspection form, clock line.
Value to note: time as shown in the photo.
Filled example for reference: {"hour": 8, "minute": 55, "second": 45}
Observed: {"hour": 11, "minute": 30, "second": 22}
